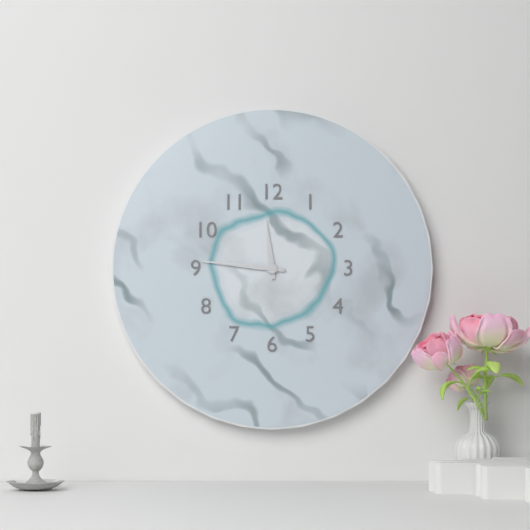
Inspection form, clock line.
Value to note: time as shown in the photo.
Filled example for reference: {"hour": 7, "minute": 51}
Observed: {"hour": 11, "minute": 46}
